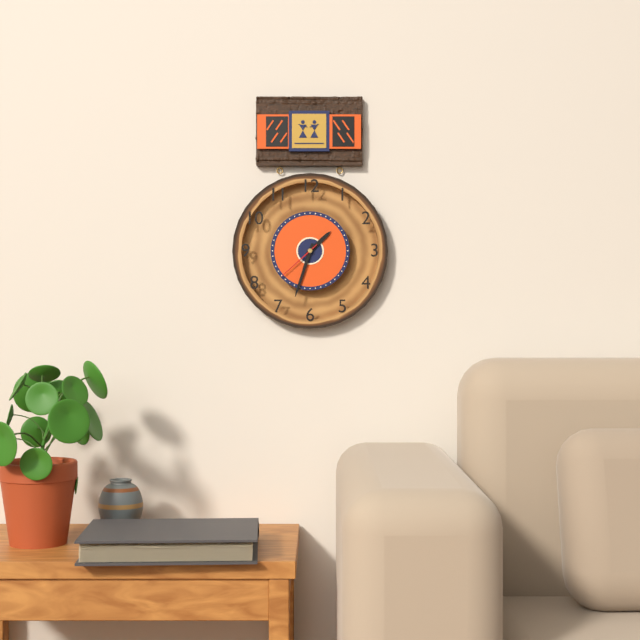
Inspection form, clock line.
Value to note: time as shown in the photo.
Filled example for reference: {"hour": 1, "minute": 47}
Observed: {"hour": 1, "minute": 33}
